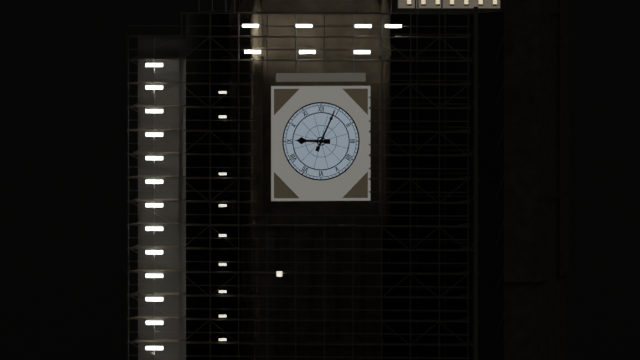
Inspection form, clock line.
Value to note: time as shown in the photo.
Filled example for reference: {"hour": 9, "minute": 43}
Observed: {"hour": 9, "minute": 4}
